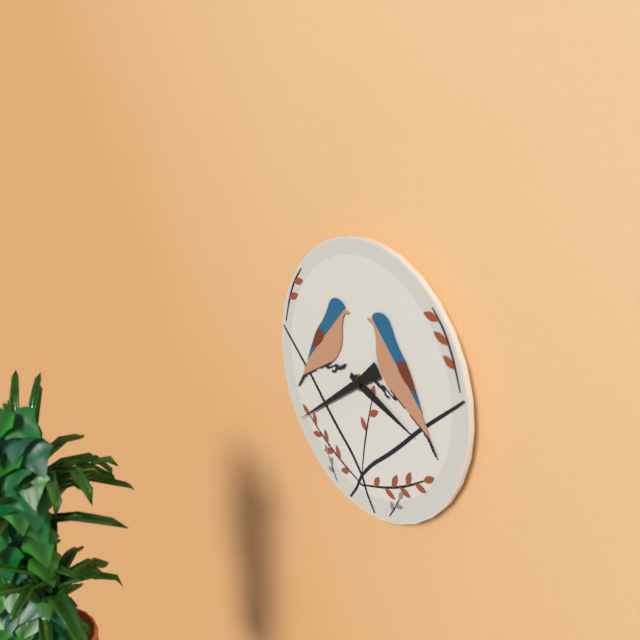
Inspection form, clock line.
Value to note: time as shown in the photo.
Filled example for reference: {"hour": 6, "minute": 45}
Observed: {"hour": 3, "minute": 39}
